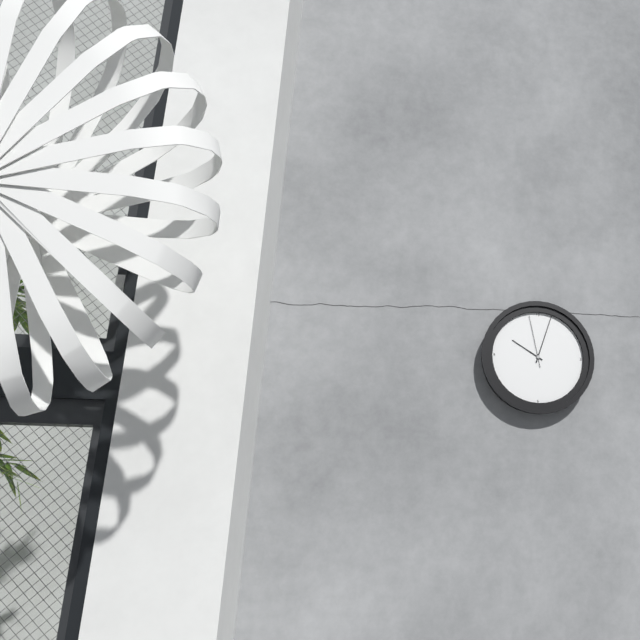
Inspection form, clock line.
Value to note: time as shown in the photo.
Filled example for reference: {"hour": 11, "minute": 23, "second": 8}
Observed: {"hour": 10, "minute": 3, "second": 58}
